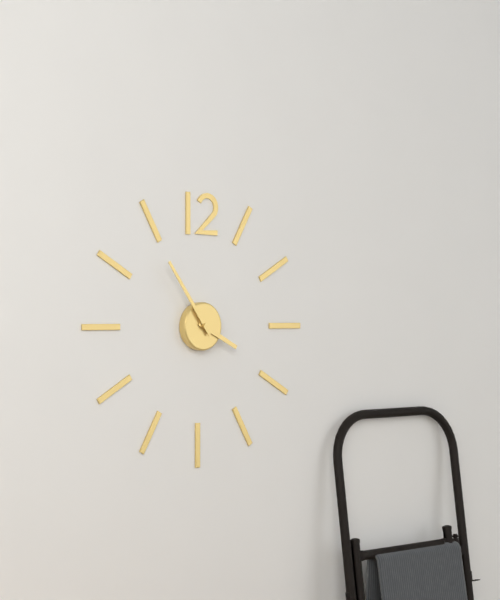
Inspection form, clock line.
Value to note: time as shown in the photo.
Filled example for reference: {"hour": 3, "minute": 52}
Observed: {"hour": 3, "minute": 54}
